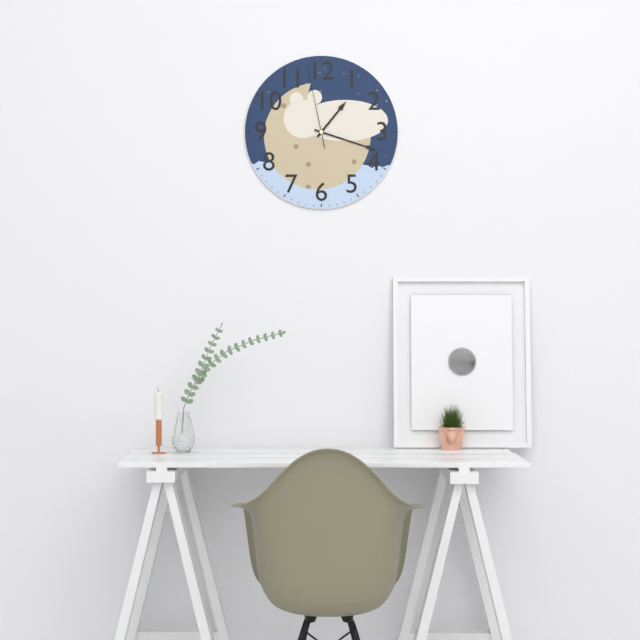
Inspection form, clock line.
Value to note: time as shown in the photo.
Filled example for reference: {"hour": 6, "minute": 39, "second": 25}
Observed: {"hour": 1, "minute": 18, "second": 58}
